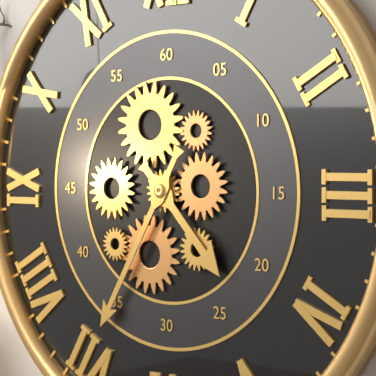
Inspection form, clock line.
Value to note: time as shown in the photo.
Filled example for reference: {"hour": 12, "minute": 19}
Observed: {"hour": 4, "minute": 35}
